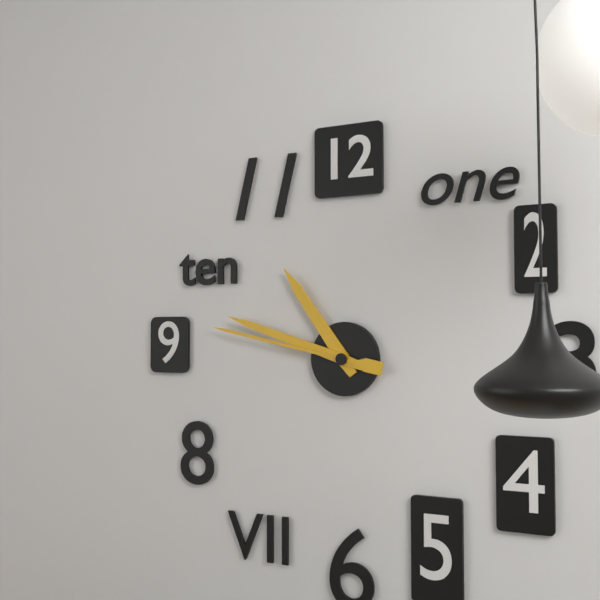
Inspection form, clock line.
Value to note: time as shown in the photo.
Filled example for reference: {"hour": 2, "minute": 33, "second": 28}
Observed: {"hour": 10, "minute": 48, "second": 47}
